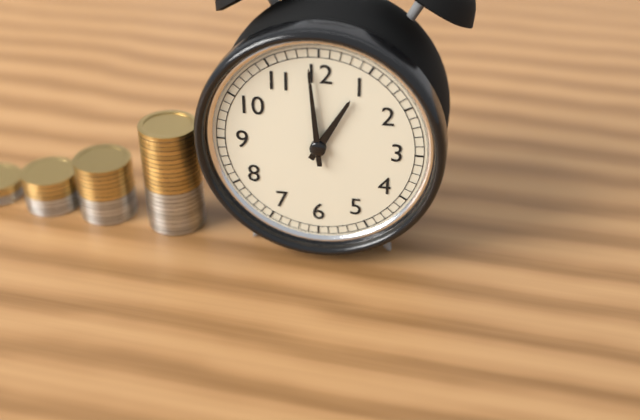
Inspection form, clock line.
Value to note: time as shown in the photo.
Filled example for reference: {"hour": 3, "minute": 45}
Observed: {"hour": 12, "minute": 59}
